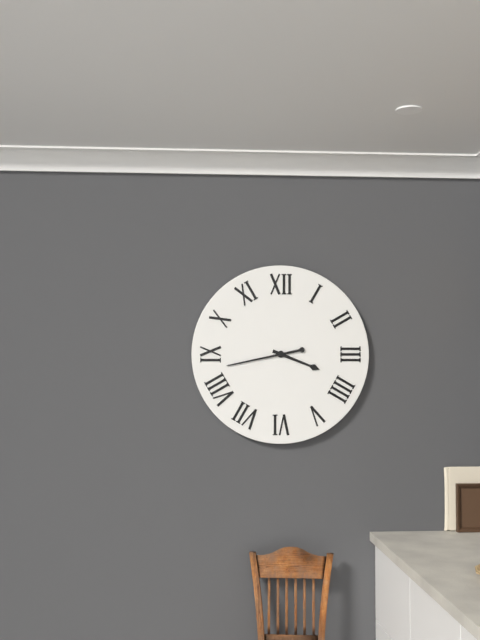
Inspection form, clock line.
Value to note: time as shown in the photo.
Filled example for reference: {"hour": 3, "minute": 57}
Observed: {"hour": 3, "minute": 43}
